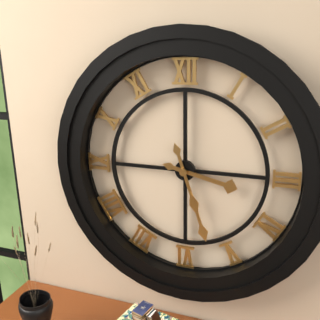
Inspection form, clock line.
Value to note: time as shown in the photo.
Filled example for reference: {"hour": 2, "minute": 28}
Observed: {"hour": 3, "minute": 27}
